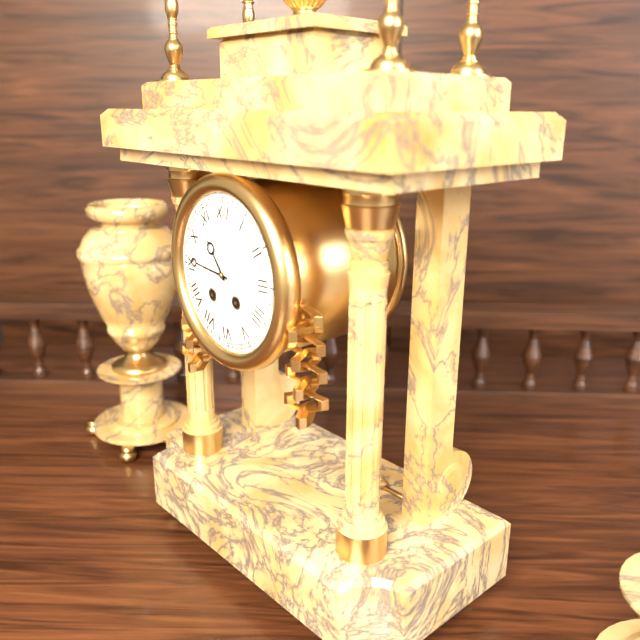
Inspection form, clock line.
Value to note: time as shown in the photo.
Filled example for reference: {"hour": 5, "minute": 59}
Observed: {"hour": 10, "minute": 46}
